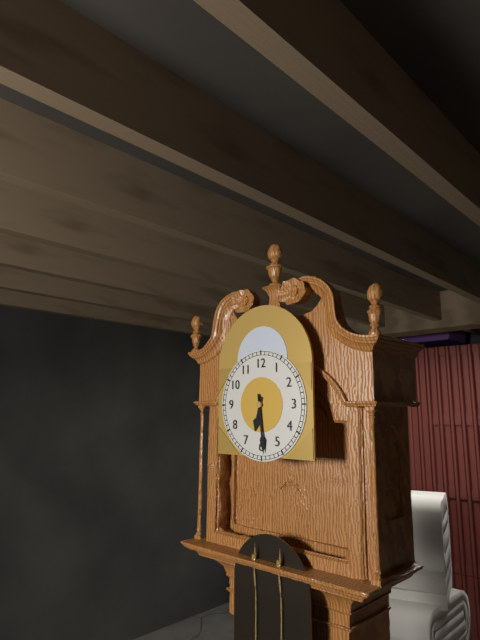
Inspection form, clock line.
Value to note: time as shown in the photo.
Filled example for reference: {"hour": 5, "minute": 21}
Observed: {"hour": 6, "minute": 29}
